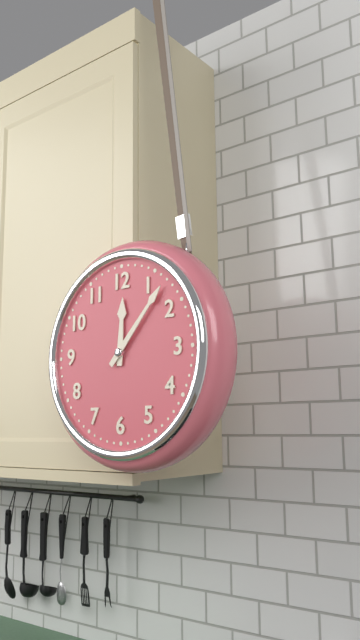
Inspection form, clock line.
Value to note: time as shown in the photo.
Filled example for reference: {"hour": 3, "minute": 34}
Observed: {"hour": 12, "minute": 7}
